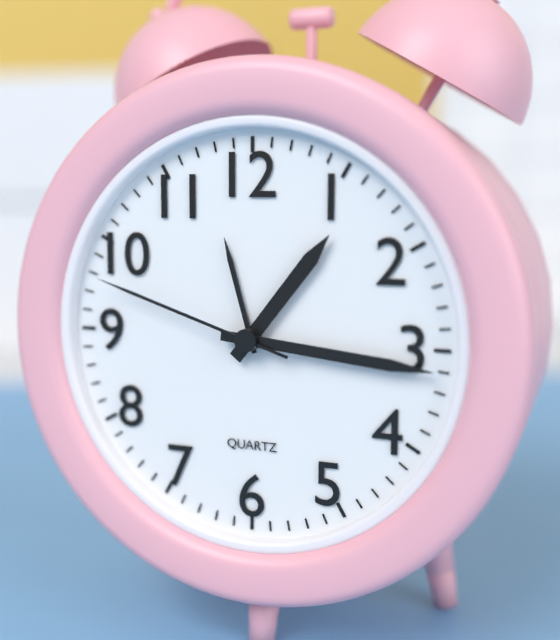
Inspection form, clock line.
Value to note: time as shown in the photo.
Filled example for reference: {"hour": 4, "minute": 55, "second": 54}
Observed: {"hour": 1, "minute": 16, "second": 48}
